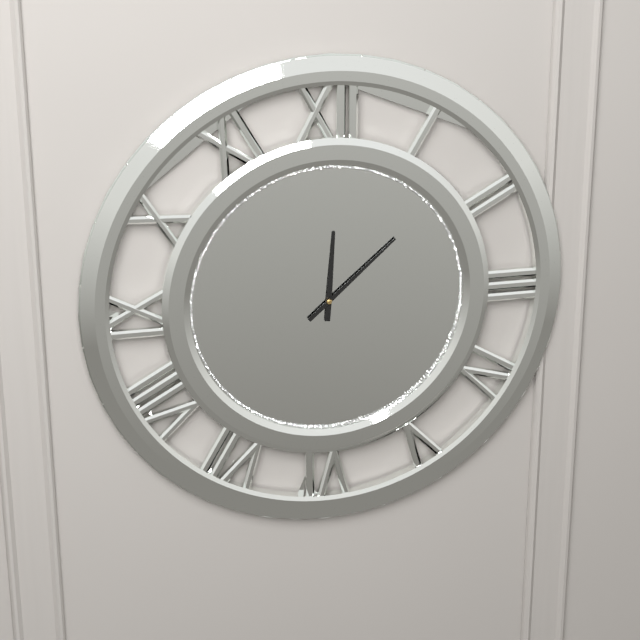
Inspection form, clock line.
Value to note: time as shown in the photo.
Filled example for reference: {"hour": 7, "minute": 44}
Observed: {"hour": 12, "minute": 8}
